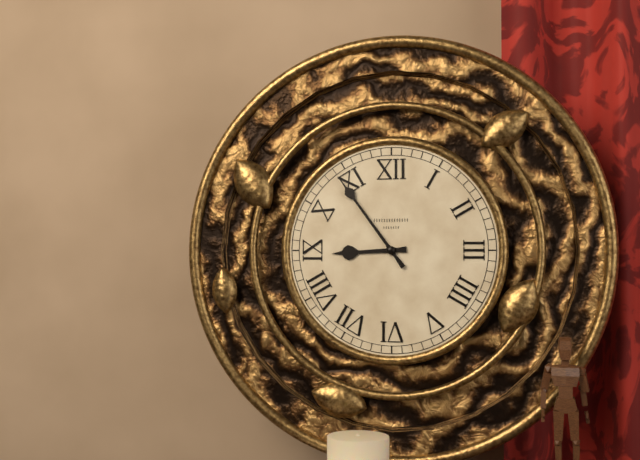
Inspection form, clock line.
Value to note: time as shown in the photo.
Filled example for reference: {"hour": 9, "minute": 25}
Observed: {"hour": 8, "minute": 54}
